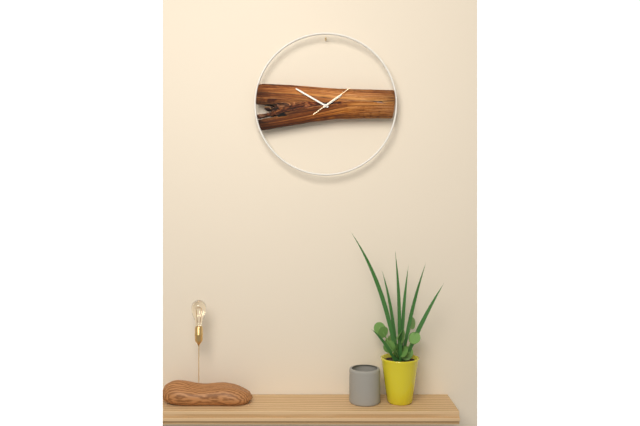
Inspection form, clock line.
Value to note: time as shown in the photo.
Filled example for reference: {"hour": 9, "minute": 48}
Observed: {"hour": 1, "minute": 50}
